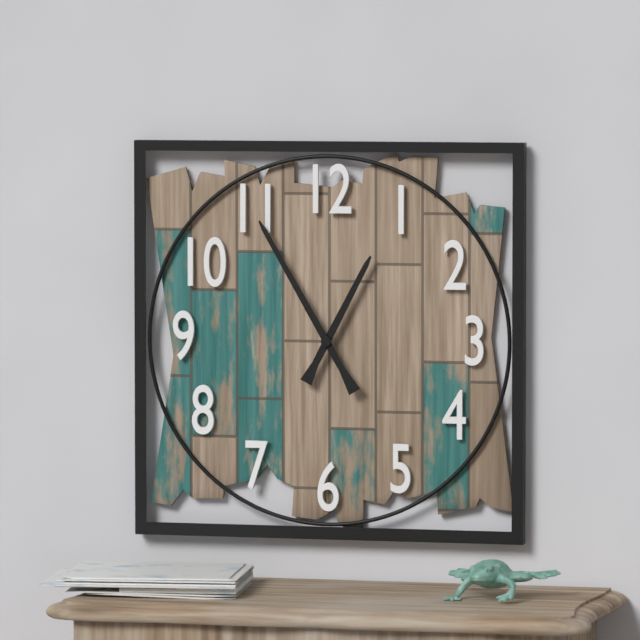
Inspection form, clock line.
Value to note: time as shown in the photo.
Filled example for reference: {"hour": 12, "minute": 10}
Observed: {"hour": 12, "minute": 55}
